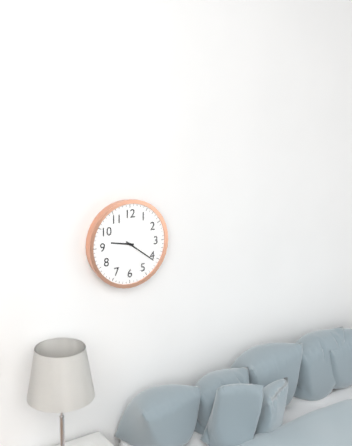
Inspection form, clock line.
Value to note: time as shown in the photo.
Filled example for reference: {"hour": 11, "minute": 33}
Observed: {"hour": 9, "minute": 21}
